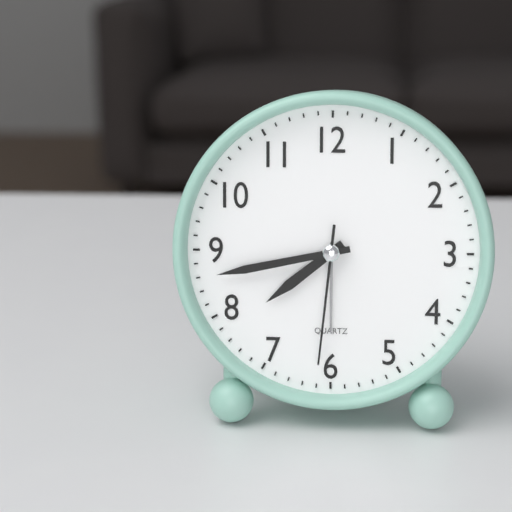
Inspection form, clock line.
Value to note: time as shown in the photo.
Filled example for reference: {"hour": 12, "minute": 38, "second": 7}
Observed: {"hour": 7, "minute": 43, "second": 31}
